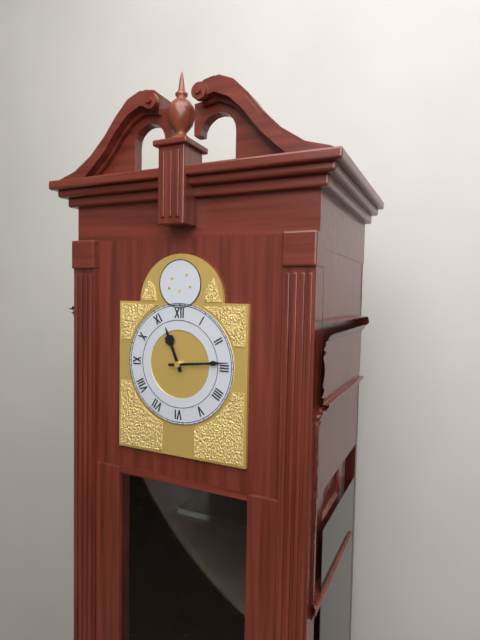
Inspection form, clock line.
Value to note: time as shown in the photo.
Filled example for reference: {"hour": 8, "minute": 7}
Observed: {"hour": 11, "minute": 14}
